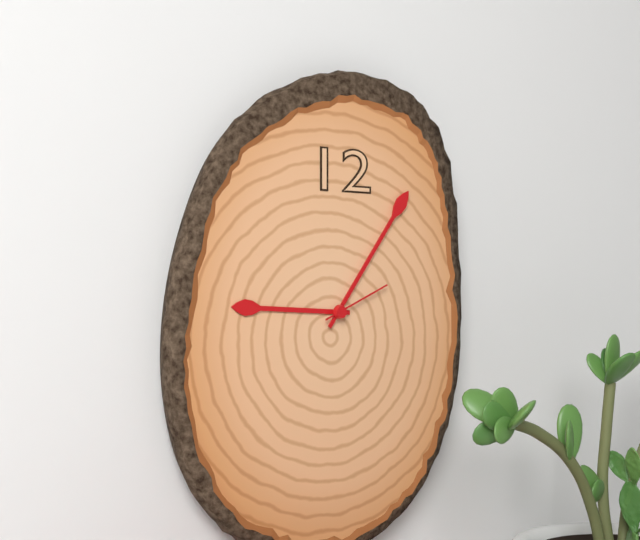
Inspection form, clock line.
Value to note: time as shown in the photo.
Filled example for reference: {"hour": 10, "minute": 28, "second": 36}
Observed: {"hour": 9, "minute": 6, "second": 11}
